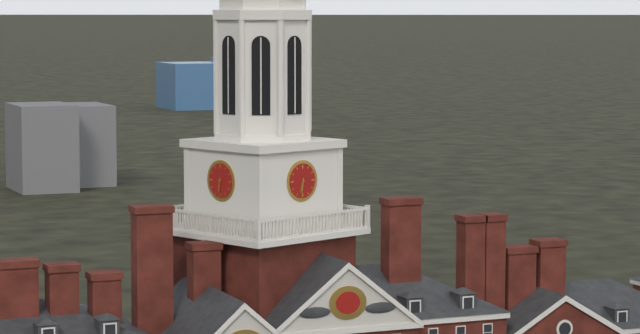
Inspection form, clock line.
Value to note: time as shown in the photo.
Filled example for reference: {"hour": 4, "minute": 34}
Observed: {"hour": 6, "minute": 31}
